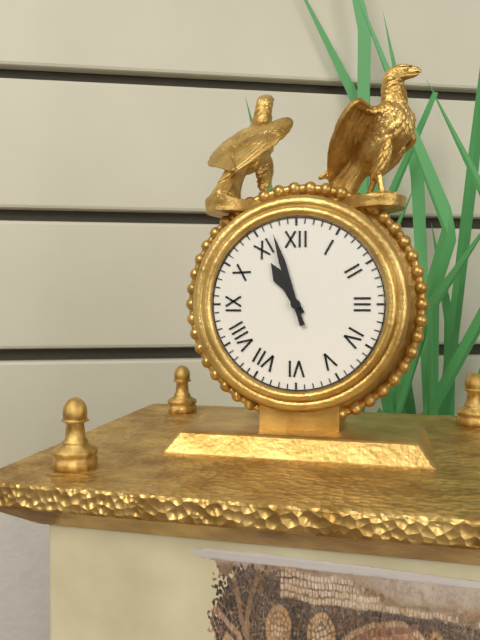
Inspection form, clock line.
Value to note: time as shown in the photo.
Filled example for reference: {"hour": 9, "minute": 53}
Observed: {"hour": 10, "minute": 57}
